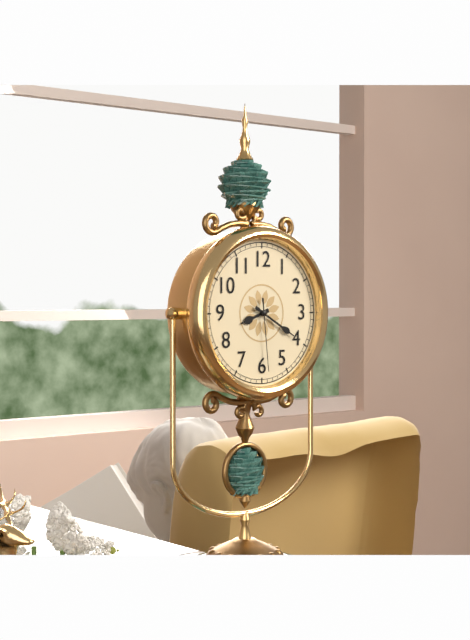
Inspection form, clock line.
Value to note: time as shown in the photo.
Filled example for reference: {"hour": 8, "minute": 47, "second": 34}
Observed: {"hour": 8, "minute": 20, "second": 29}
